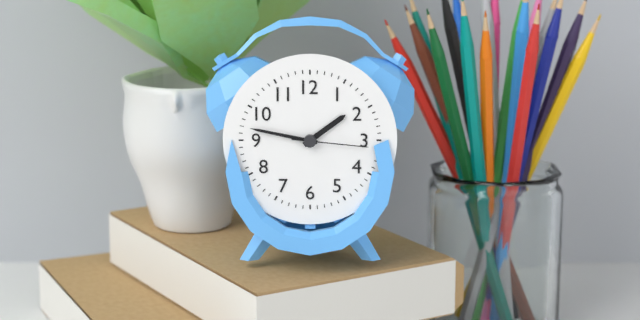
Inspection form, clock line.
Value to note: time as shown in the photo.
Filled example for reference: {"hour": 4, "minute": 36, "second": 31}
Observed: {"hour": 1, "minute": 47, "second": 16}
